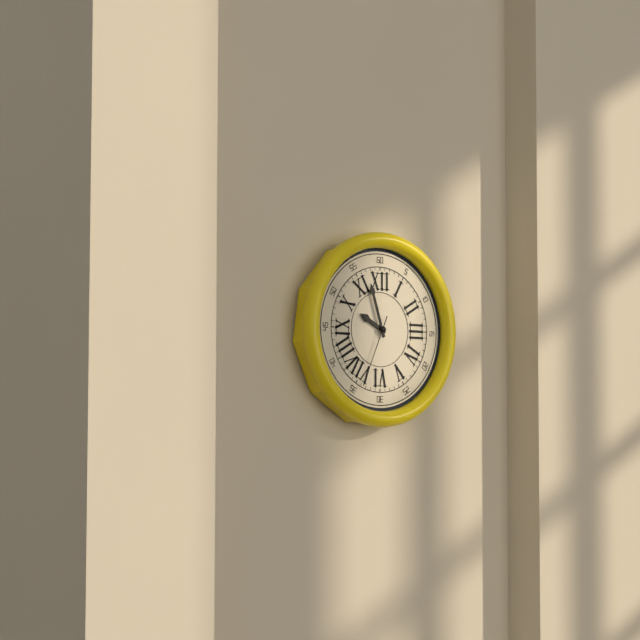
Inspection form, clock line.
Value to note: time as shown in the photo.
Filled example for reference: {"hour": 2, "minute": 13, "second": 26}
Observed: {"hour": 9, "minute": 57, "second": 34}
